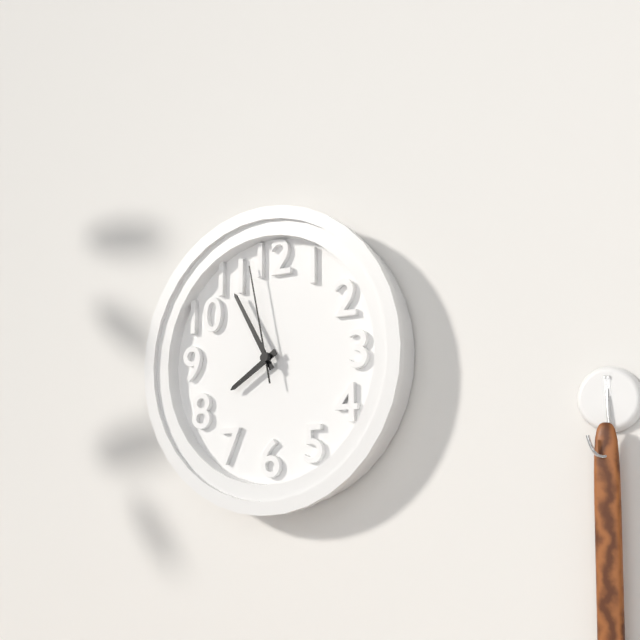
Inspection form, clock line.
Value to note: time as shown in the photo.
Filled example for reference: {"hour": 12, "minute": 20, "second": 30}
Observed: {"hour": 7, "minute": 55, "second": 58}
